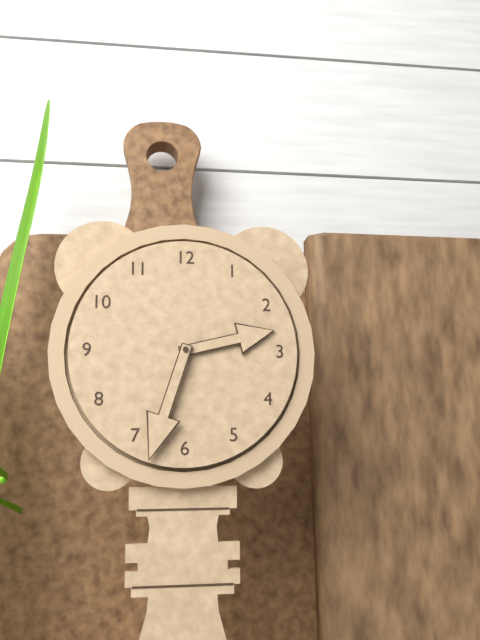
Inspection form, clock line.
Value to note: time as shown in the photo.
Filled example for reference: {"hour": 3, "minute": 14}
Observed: {"hour": 2, "minute": 33}
